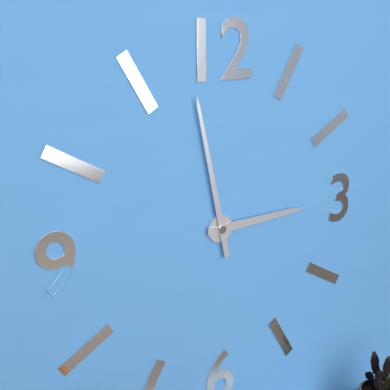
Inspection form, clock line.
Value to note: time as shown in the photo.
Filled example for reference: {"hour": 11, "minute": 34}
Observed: {"hour": 2, "minute": 58}
